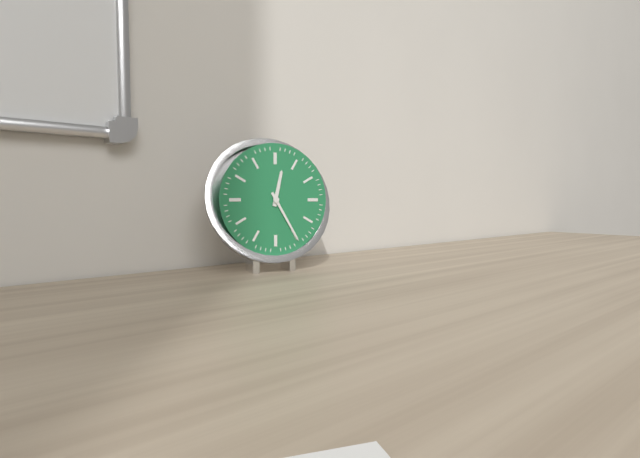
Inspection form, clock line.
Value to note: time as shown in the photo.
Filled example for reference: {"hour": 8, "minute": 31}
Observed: {"hour": 12, "minute": 25}
